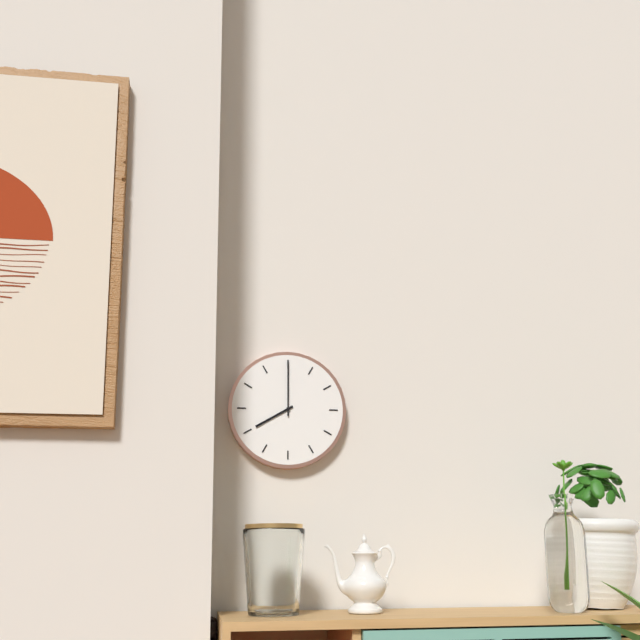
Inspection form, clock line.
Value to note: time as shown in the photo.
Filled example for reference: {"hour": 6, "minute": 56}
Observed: {"hour": 8, "minute": 0}
